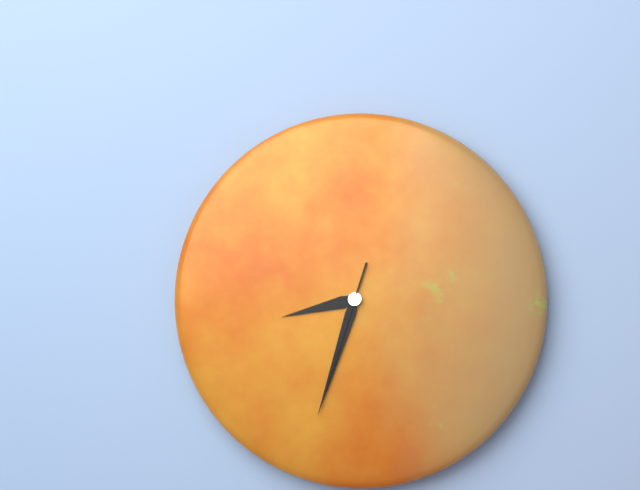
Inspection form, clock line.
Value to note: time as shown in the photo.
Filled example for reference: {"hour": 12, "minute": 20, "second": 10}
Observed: {"hour": 8, "minute": 33, "second": 33}
